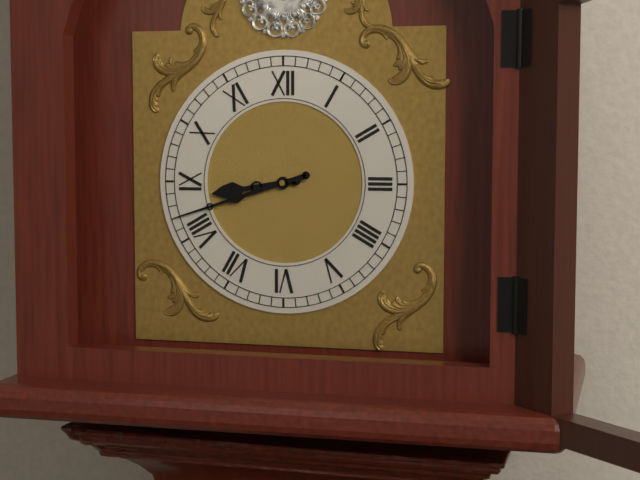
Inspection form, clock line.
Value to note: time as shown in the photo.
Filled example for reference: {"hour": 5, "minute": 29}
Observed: {"hour": 8, "minute": 42}
